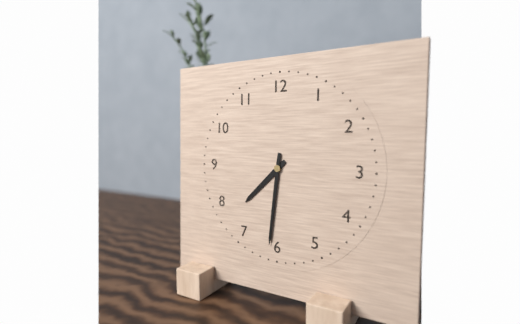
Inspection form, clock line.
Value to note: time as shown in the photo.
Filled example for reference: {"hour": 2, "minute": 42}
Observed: {"hour": 7, "minute": 31}
